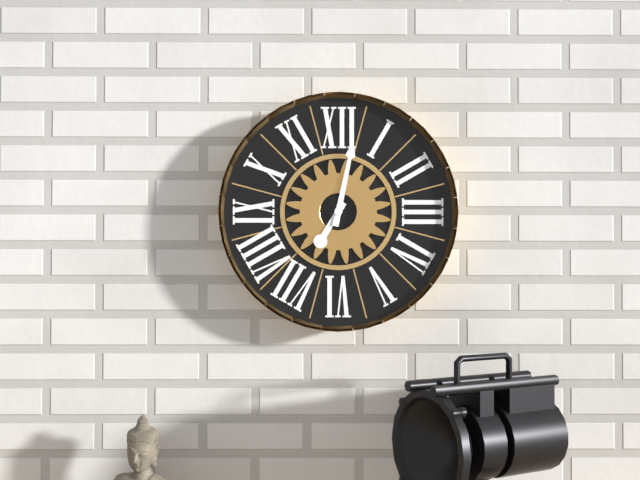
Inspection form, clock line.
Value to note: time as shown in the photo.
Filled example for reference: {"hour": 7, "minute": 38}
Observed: {"hour": 7, "minute": 2}
